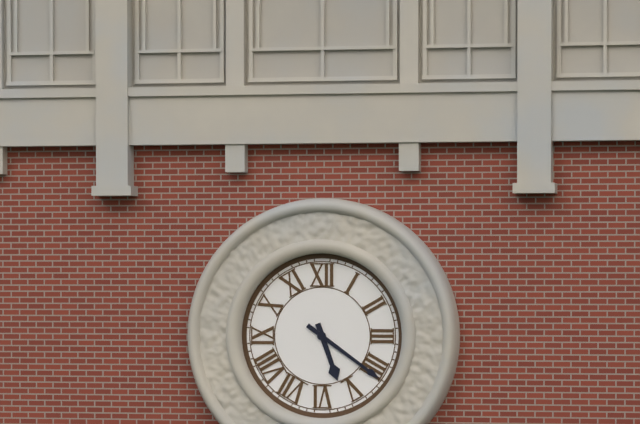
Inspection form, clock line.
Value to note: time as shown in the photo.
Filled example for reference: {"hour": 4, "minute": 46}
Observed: {"hour": 5, "minute": 21}
